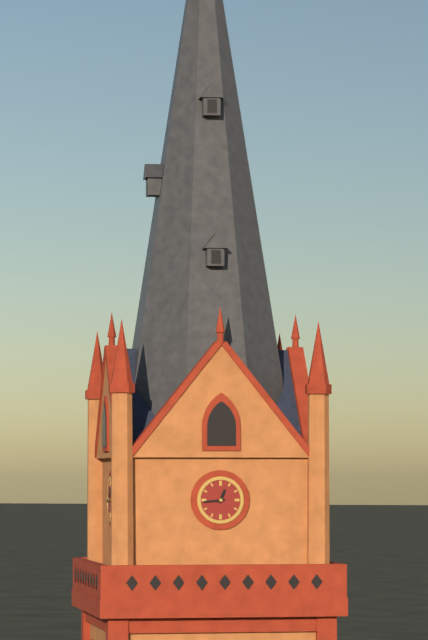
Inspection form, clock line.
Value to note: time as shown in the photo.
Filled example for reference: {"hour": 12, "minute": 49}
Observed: {"hour": 12, "minute": 44}
